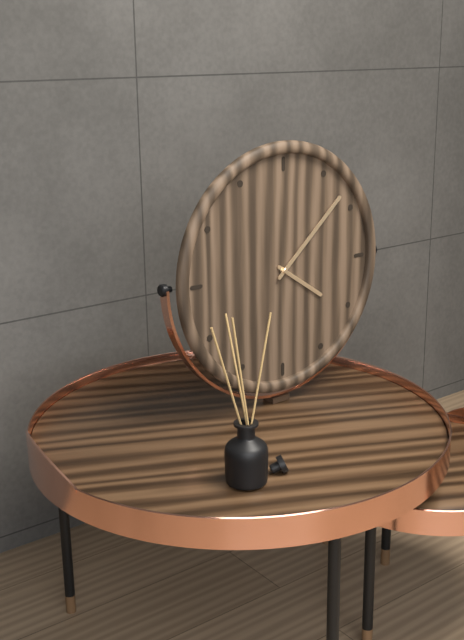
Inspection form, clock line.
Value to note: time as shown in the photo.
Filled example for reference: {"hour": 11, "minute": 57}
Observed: {"hour": 4, "minute": 8}
